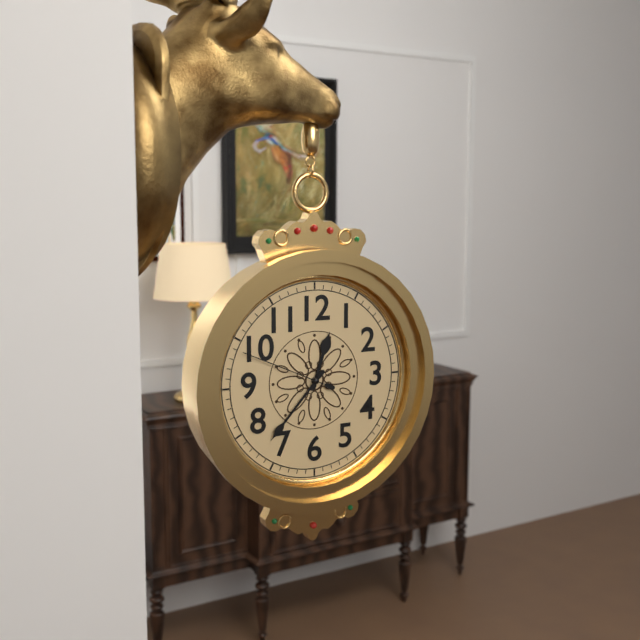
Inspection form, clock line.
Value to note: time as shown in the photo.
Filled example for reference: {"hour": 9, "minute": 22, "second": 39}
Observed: {"hour": 12, "minute": 37, "second": 49}
